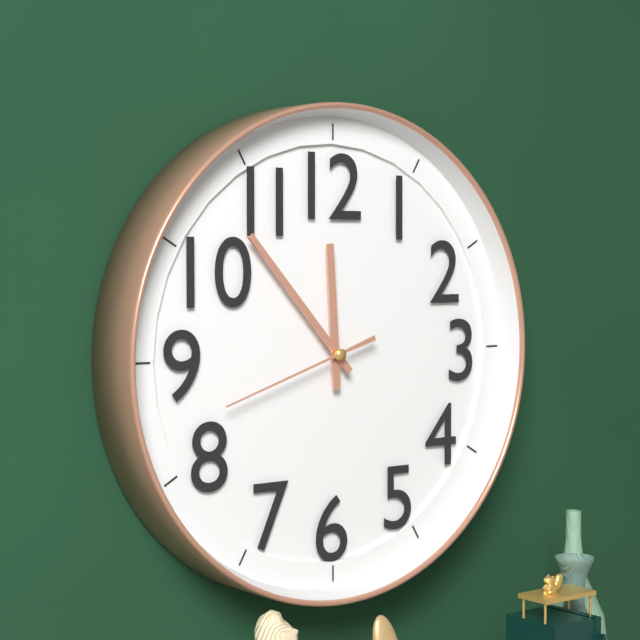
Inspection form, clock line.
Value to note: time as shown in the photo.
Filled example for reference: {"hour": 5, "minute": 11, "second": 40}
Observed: {"hour": 11, "minute": 53, "second": 42}
